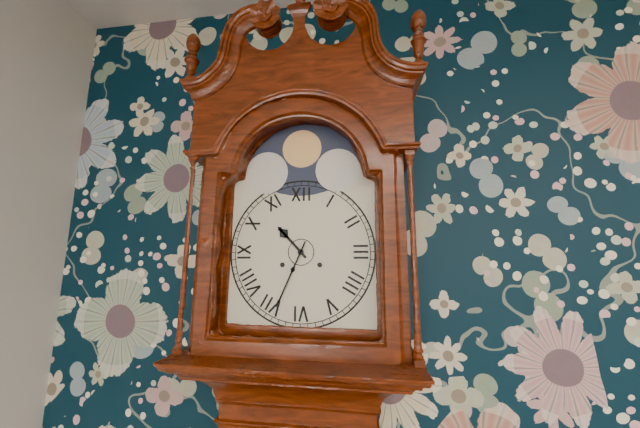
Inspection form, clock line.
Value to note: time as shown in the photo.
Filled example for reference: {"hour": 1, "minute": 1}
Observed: {"hour": 10, "minute": 34}
